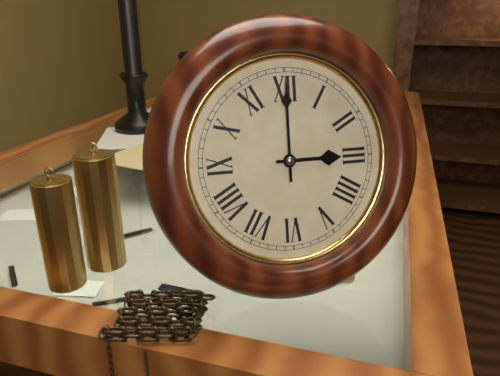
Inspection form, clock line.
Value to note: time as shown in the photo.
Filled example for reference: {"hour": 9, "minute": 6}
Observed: {"hour": 3, "minute": 0}
